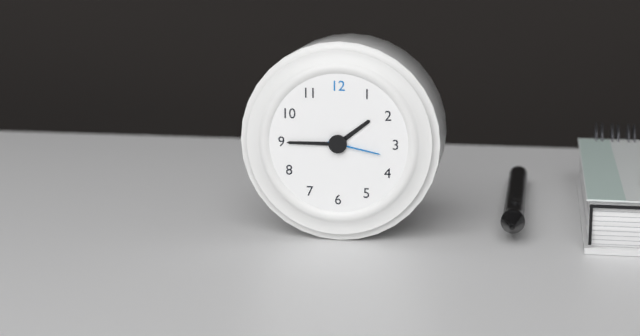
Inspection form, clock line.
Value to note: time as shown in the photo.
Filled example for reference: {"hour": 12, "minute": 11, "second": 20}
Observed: {"hour": 1, "minute": 45, "second": 17}
